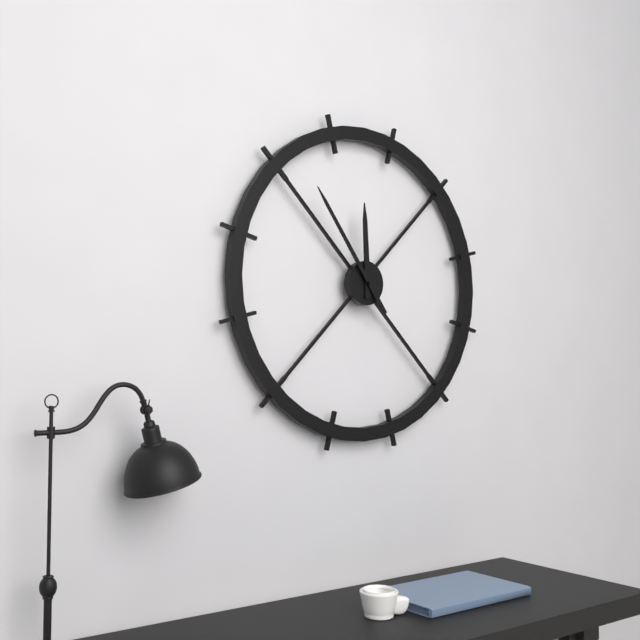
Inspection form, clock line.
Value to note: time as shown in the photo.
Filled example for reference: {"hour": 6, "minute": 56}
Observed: {"hour": 11, "minute": 54}
